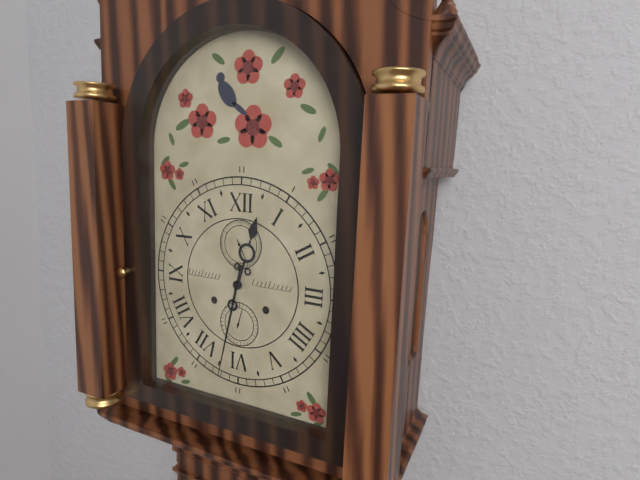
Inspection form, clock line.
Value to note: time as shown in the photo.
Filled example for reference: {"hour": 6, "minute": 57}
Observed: {"hour": 12, "minute": 32}
